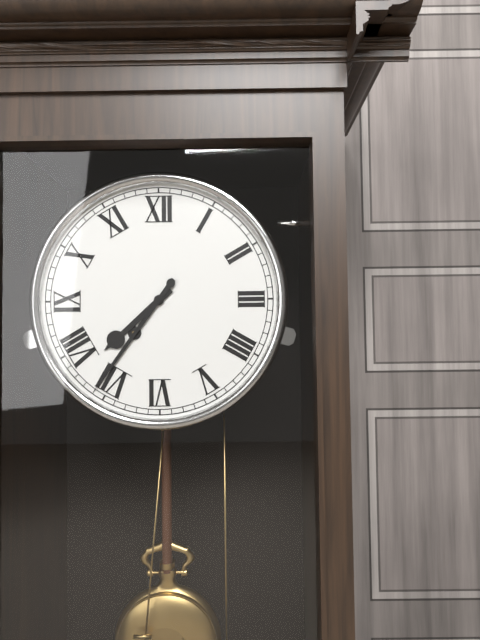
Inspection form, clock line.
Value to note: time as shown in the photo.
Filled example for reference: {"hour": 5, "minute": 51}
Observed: {"hour": 7, "minute": 36}
